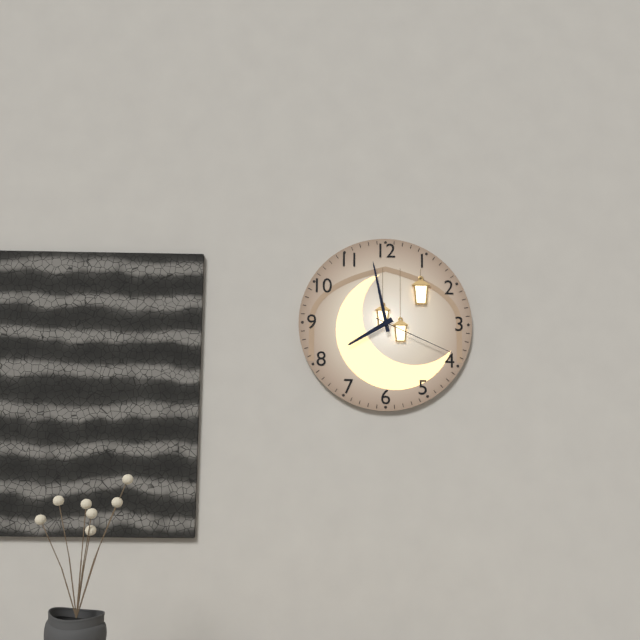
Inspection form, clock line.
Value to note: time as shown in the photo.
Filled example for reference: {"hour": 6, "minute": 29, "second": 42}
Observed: {"hour": 7, "minute": 58, "second": 19}
